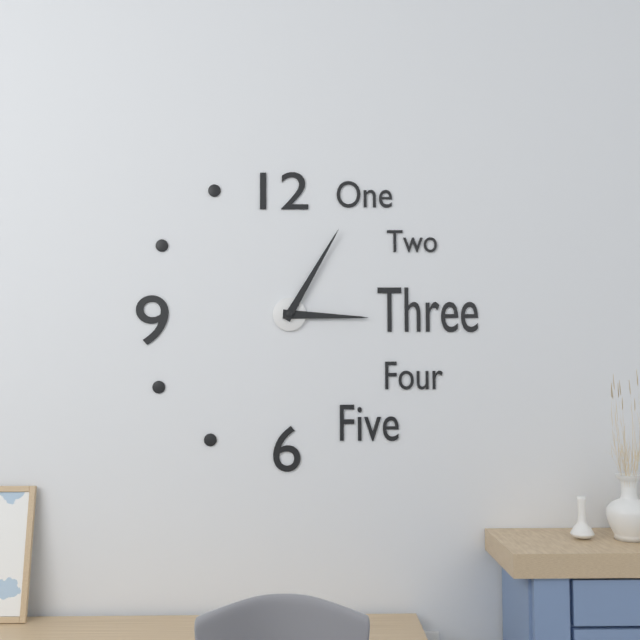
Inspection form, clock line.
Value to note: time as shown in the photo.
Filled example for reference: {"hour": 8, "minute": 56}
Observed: {"hour": 3, "minute": 5}
